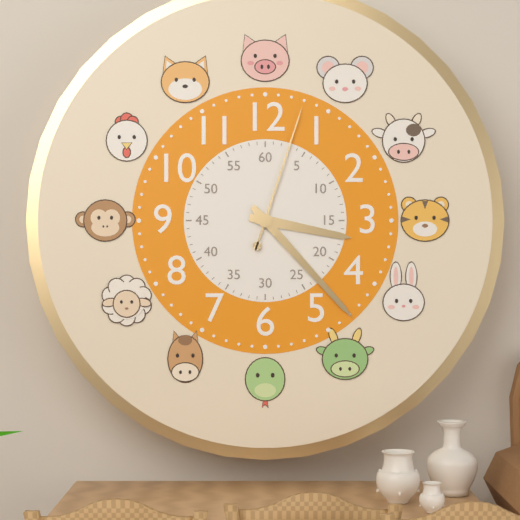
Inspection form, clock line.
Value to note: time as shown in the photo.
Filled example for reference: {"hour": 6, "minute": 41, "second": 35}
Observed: {"hour": 3, "minute": 23, "second": 3}
